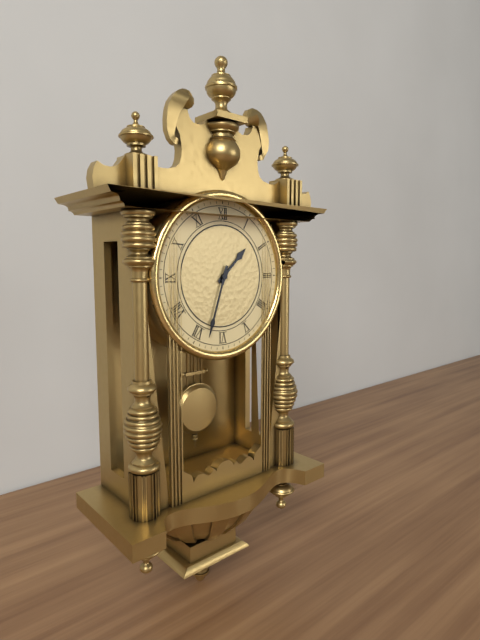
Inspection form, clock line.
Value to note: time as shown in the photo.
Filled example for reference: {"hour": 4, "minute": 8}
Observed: {"hour": 1, "minute": 33}
